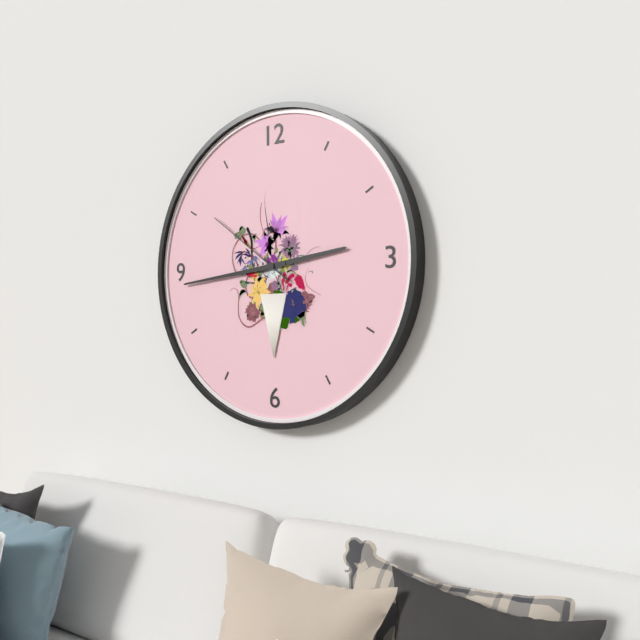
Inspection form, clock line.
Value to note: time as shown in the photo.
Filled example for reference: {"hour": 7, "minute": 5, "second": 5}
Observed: {"hour": 2, "minute": 44, "second": 51}
